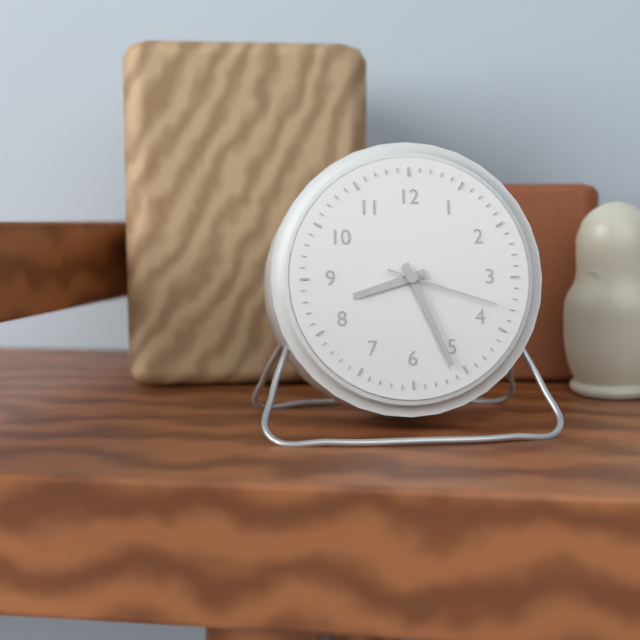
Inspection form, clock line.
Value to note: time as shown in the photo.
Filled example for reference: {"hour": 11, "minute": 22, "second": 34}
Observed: {"hour": 8, "minute": 26, "second": 18}
